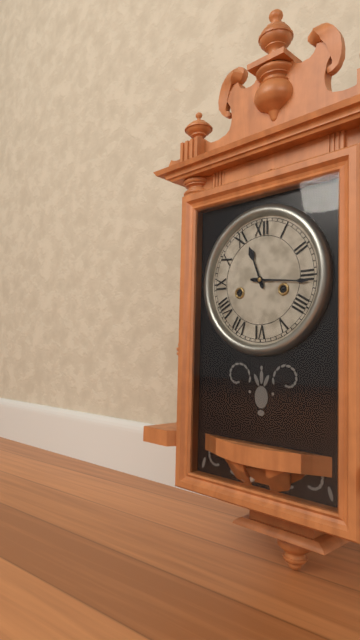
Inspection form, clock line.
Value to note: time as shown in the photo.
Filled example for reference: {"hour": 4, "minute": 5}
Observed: {"hour": 11, "minute": 16}
